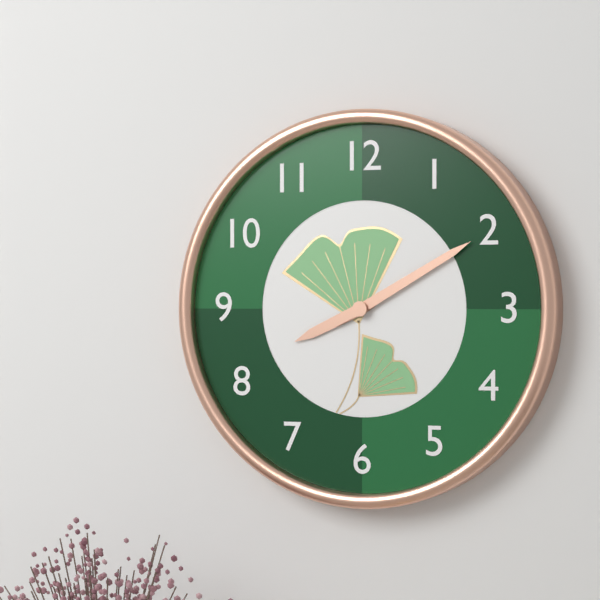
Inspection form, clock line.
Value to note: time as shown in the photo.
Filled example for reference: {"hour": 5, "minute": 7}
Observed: {"hour": 8, "minute": 10}
